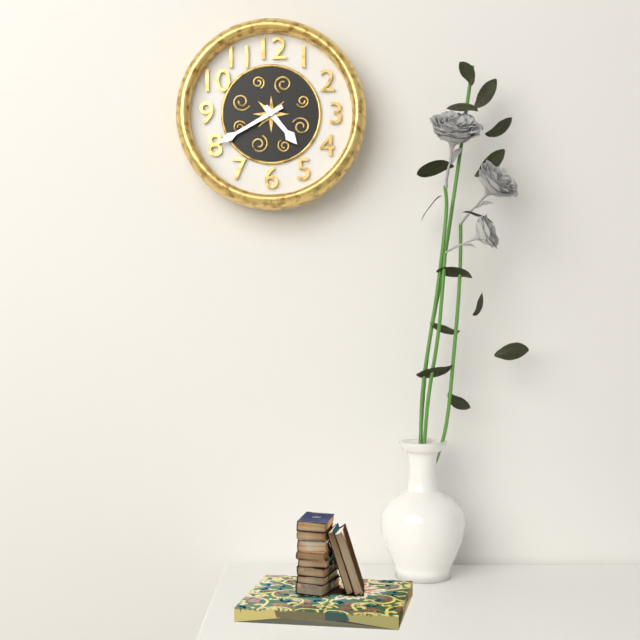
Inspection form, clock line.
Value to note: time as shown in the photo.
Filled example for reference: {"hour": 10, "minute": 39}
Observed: {"hour": 4, "minute": 40}
